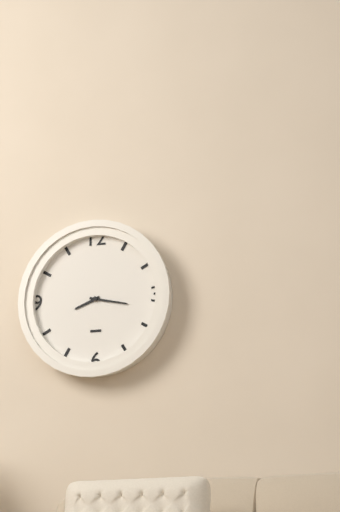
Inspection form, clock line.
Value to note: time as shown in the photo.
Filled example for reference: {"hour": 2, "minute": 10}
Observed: {"hour": 8, "minute": 17}
